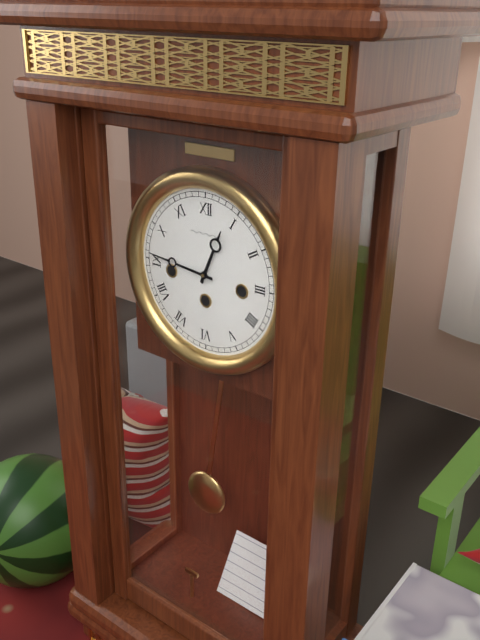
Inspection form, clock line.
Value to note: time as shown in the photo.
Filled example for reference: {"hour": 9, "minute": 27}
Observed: {"hour": 12, "minute": 46}
